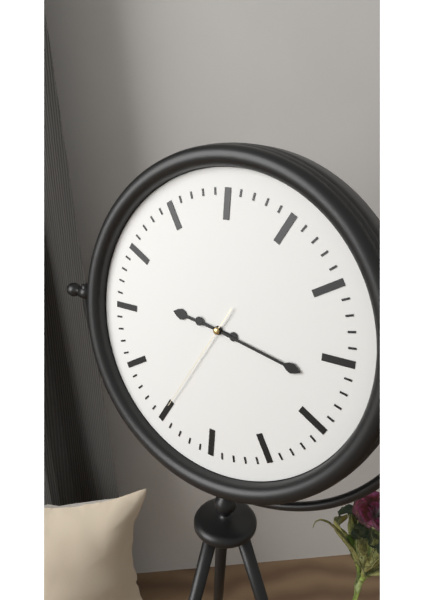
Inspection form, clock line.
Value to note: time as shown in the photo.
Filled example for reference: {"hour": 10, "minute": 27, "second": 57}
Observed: {"hour": 9, "minute": 17, "second": 35}
